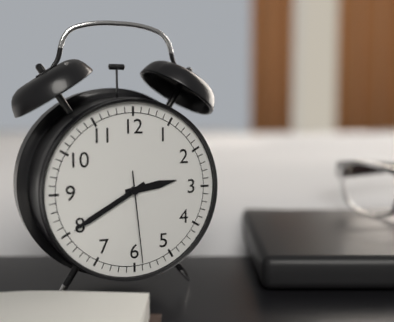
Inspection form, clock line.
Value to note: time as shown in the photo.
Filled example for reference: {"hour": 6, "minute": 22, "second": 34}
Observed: {"hour": 2, "minute": 40, "second": 29}
